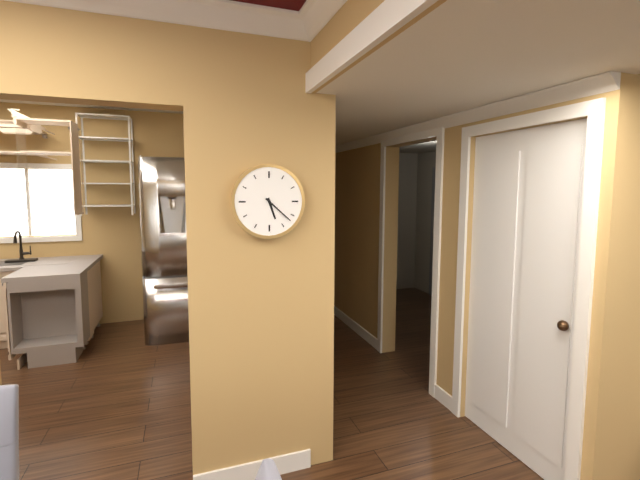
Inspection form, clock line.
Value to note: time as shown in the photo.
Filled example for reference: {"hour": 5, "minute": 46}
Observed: {"hour": 5, "minute": 22}
